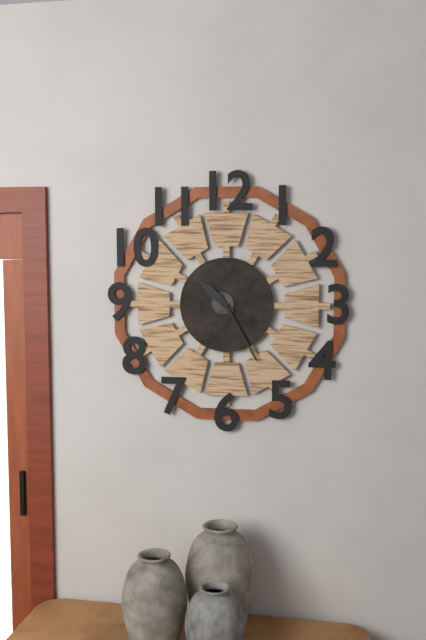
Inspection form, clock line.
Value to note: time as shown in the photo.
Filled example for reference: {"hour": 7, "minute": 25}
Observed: {"hour": 10, "minute": 25}
